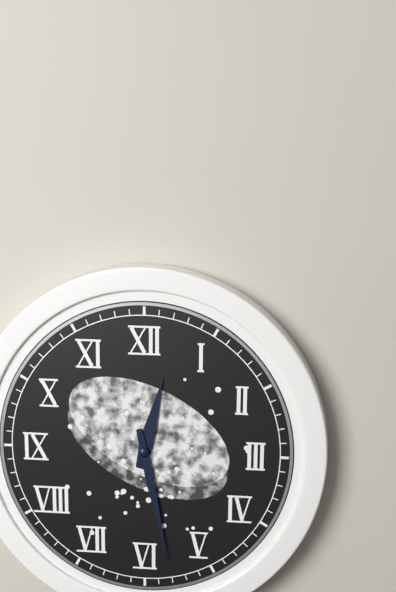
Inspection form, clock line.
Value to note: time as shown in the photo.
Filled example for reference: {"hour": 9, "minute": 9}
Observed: {"hour": 12, "minute": 28}
